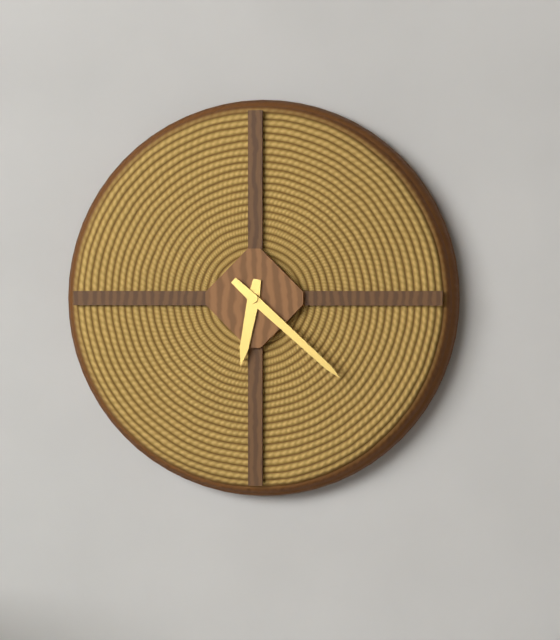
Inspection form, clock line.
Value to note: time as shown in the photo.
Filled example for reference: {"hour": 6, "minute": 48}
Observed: {"hour": 6, "minute": 22}
